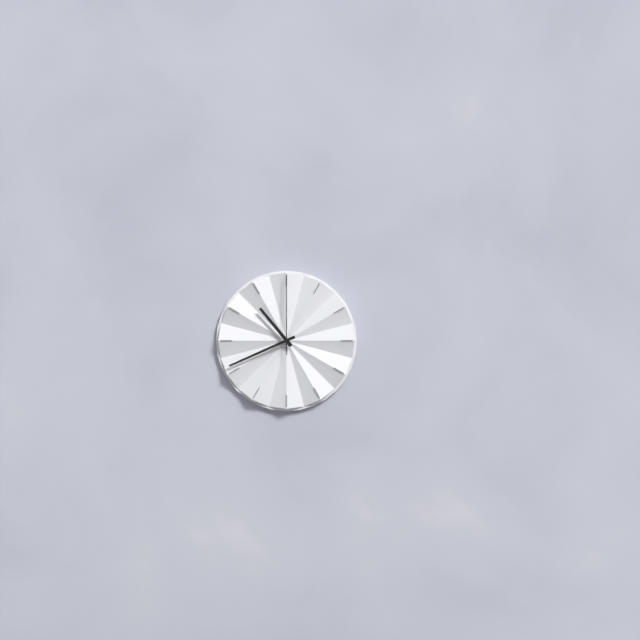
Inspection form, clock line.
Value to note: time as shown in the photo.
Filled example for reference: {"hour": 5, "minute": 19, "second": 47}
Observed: {"hour": 10, "minute": 41, "second": 0}
